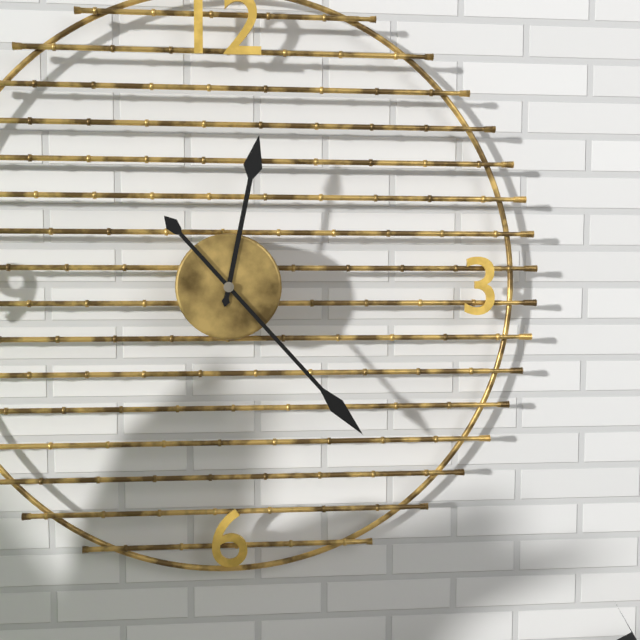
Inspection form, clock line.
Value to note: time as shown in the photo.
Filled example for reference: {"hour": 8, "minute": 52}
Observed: {"hour": 12, "minute": 23}
